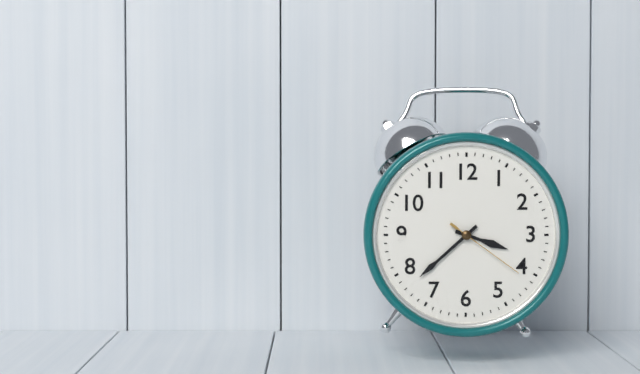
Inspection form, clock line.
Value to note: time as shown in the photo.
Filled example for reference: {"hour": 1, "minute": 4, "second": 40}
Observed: {"hour": 3, "minute": 38, "second": 21}
